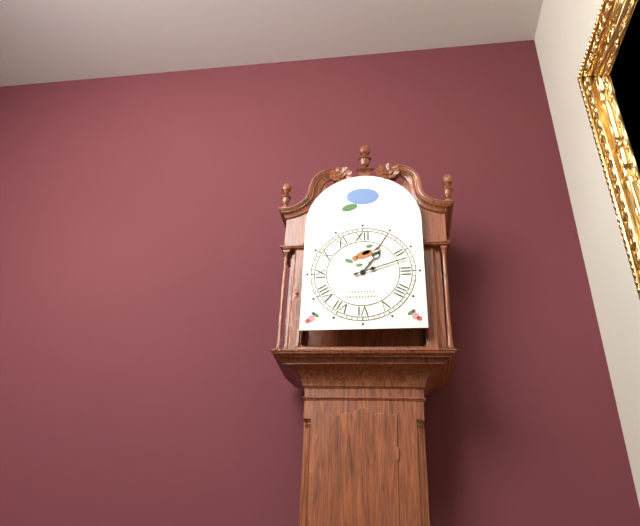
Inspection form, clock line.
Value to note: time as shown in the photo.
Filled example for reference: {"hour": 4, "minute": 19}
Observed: {"hour": 1, "minute": 12}
